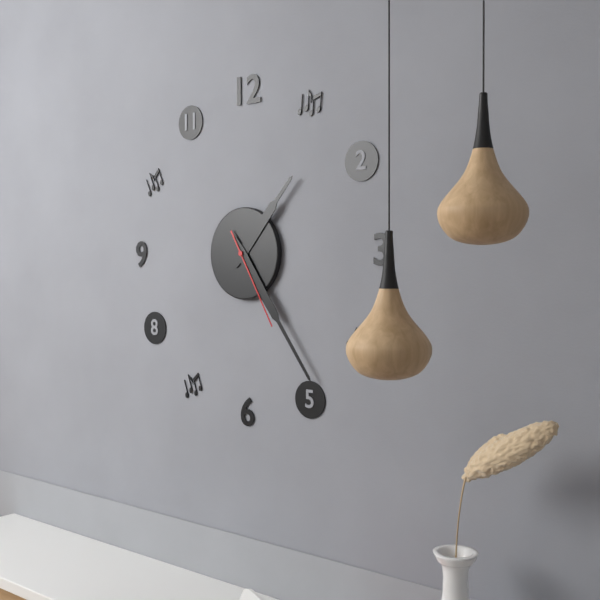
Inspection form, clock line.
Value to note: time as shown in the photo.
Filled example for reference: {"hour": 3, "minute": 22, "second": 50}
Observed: {"hour": 1, "minute": 24, "second": 25}
